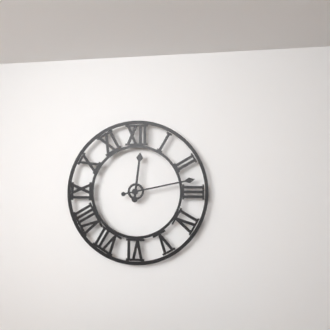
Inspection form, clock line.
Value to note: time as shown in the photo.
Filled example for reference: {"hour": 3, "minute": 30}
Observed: {"hour": 12, "minute": 13}
